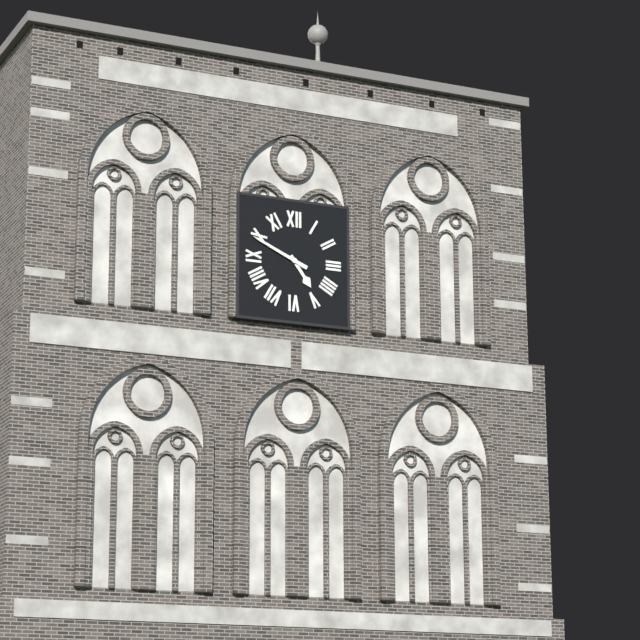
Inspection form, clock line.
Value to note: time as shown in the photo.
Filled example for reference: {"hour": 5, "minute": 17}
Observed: {"hour": 4, "minute": 49}
